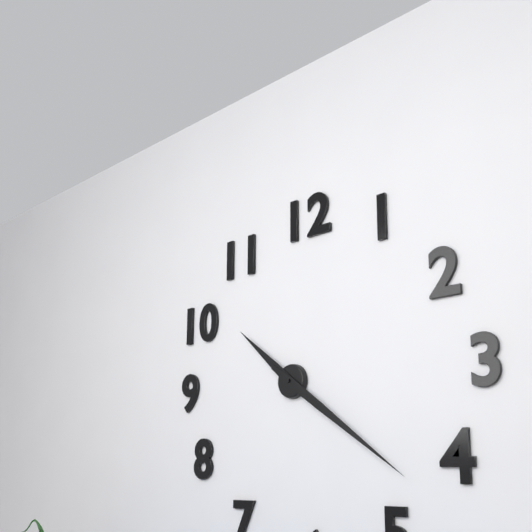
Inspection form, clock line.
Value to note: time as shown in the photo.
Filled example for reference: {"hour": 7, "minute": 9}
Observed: {"hour": 10, "minute": 21}
